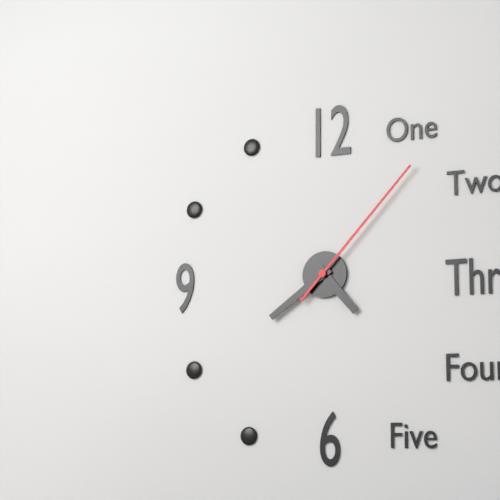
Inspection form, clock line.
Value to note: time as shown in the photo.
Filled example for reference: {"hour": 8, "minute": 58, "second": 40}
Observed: {"hour": 4, "minute": 39, "second": 7}
